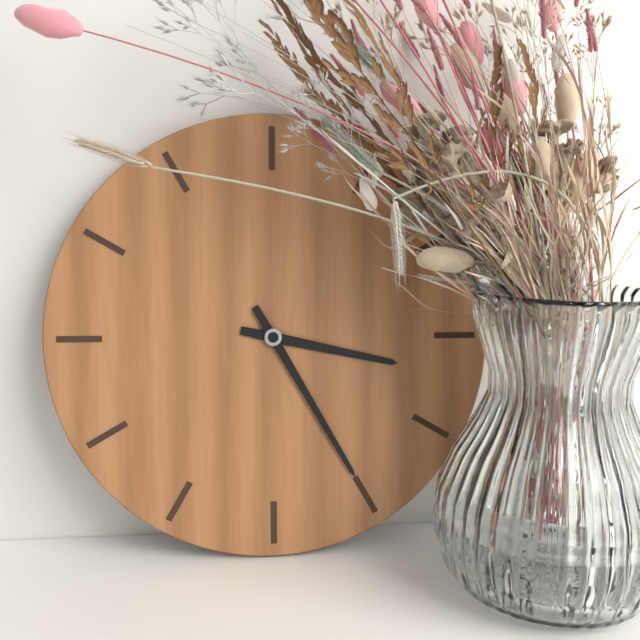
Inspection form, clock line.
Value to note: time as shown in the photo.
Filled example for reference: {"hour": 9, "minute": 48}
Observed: {"hour": 3, "minute": 25}
